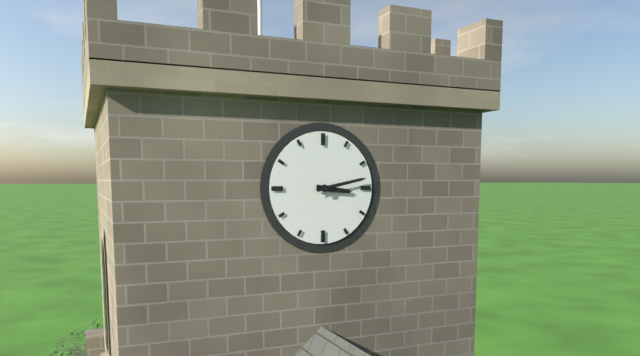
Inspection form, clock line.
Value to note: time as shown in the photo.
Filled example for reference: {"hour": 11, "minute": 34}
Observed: {"hour": 3, "minute": 13}
